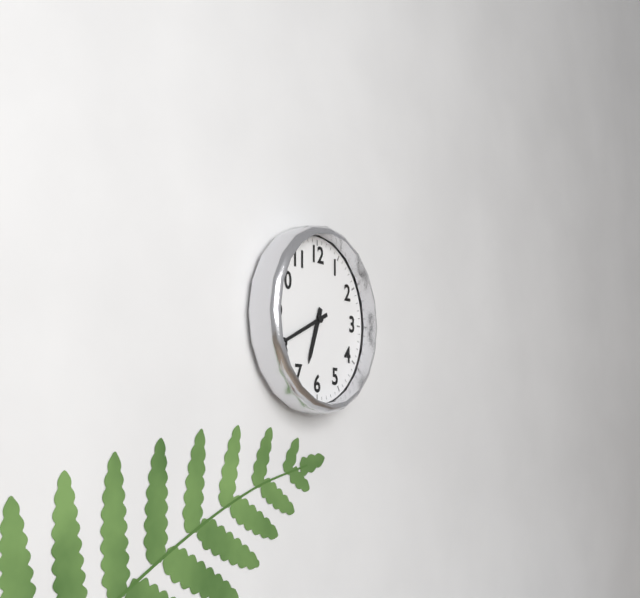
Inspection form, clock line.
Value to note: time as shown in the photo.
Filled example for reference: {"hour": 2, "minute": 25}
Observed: {"hour": 6, "minute": 41}
